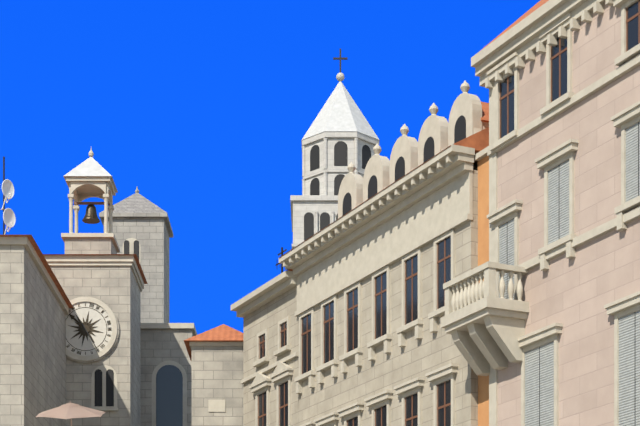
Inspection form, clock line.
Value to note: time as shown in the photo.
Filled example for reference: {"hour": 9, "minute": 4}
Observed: {"hour": 10, "minute": 25}
